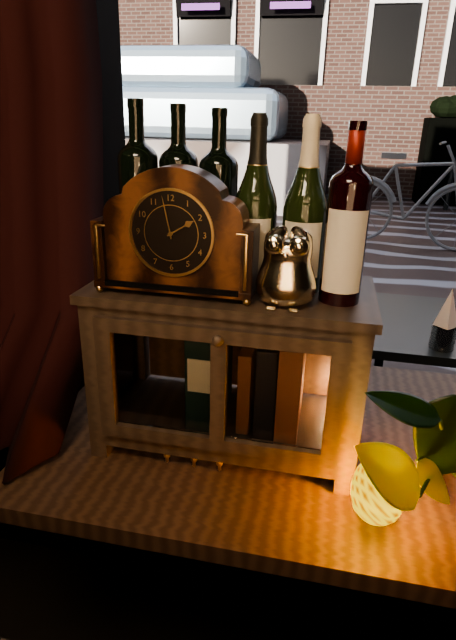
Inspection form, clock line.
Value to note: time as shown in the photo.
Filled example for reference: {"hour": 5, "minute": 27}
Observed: {"hour": 1, "minute": 58}
